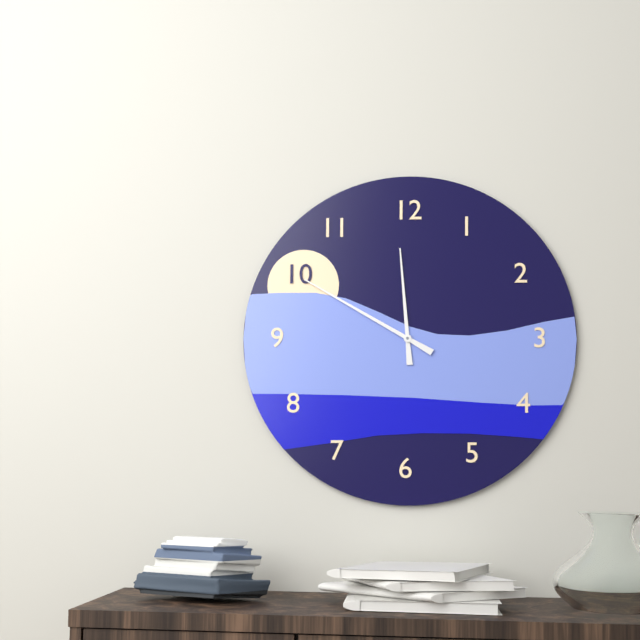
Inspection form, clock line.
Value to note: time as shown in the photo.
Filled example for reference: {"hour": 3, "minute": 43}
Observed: {"hour": 11, "minute": 50}
